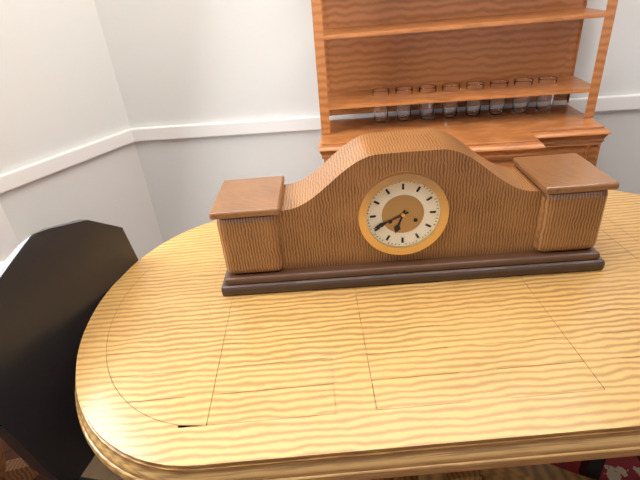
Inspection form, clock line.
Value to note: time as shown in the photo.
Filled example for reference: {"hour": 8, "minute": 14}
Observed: {"hour": 6, "minute": 41}
